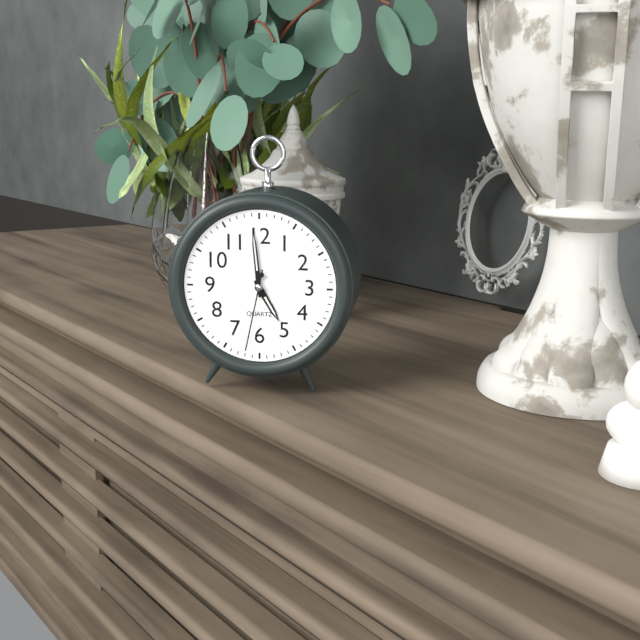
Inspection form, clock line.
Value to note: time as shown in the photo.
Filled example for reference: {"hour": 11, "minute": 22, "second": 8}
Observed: {"hour": 4, "minute": 59, "second": 32}
